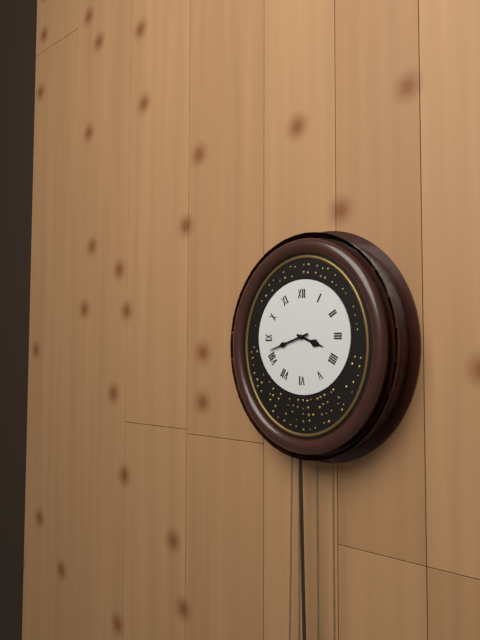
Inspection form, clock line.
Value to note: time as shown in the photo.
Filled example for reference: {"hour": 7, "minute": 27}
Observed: {"hour": 3, "minute": 42}
